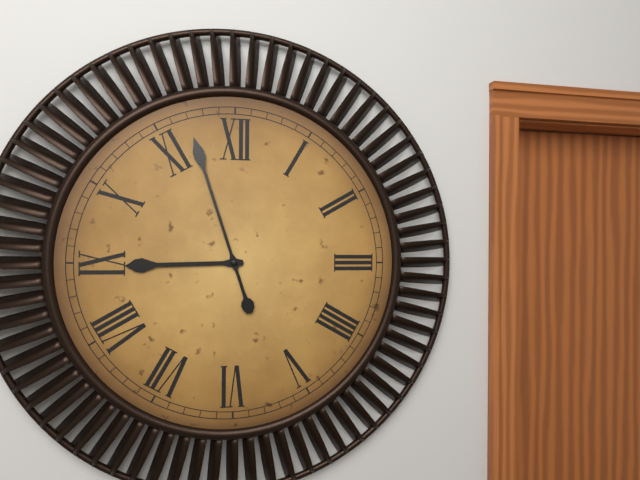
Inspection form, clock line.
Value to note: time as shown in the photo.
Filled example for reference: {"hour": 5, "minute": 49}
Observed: {"hour": 8, "minute": 57}
